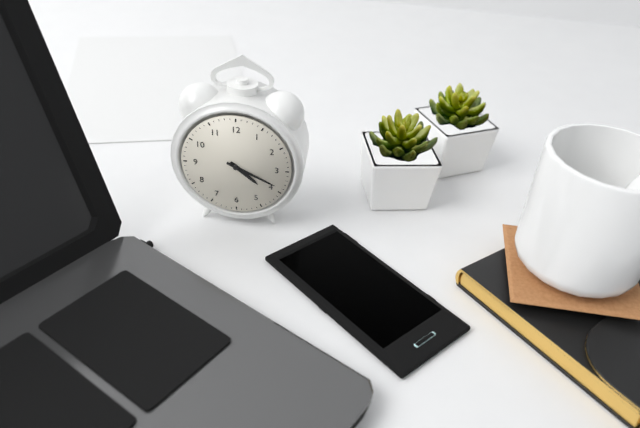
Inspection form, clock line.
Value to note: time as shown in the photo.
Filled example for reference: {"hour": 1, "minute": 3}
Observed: {"hour": 4, "minute": 19}
